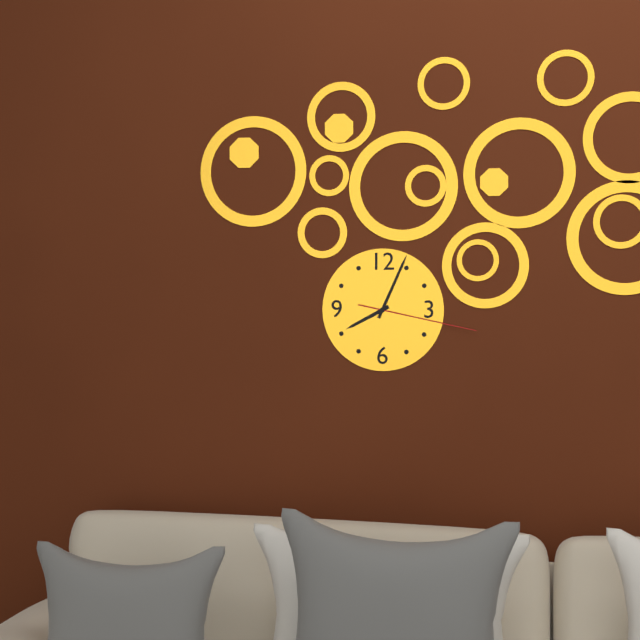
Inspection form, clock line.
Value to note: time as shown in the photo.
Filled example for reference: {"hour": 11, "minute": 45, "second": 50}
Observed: {"hour": 8, "minute": 4, "second": 17}
